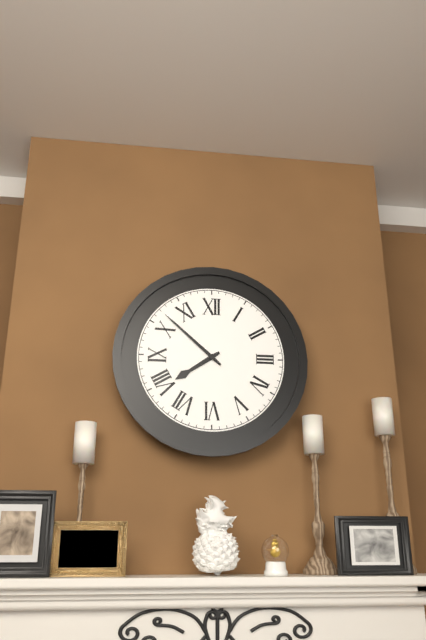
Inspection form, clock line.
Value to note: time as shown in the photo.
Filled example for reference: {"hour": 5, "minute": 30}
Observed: {"hour": 7, "minute": 52}
